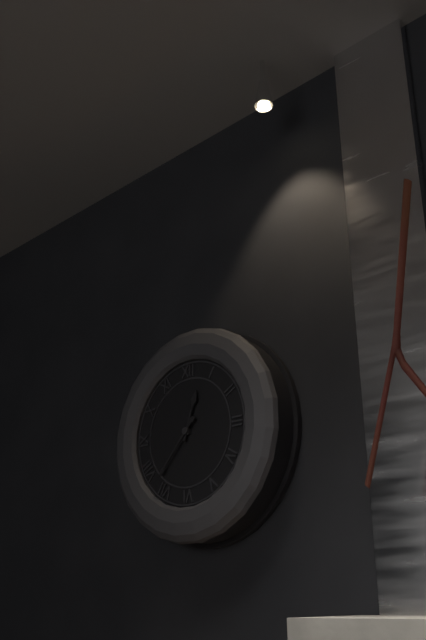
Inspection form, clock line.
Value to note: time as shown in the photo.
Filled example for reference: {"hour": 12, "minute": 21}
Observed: {"hour": 12, "minute": 37}
